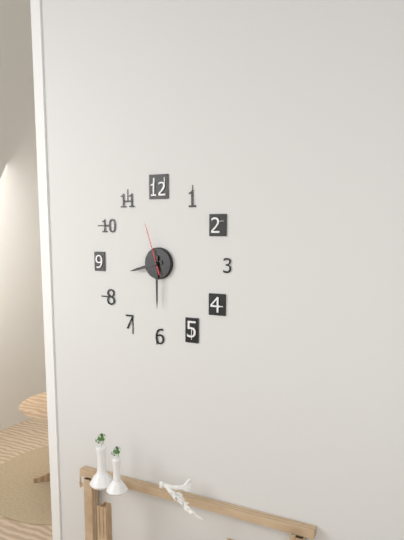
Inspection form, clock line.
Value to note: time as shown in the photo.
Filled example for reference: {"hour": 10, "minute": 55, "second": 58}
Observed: {"hour": 8, "minute": 30, "second": 57}
